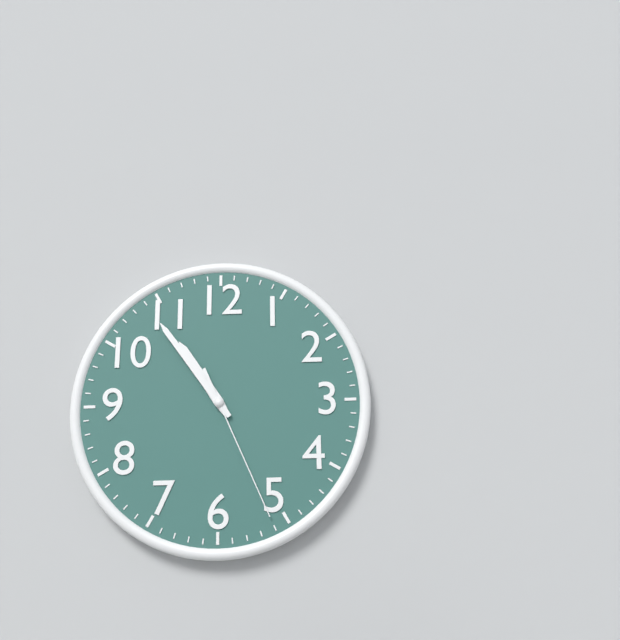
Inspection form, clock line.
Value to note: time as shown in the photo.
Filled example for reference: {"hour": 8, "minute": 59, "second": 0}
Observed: {"hour": 10, "minute": 54, "second": 26}
